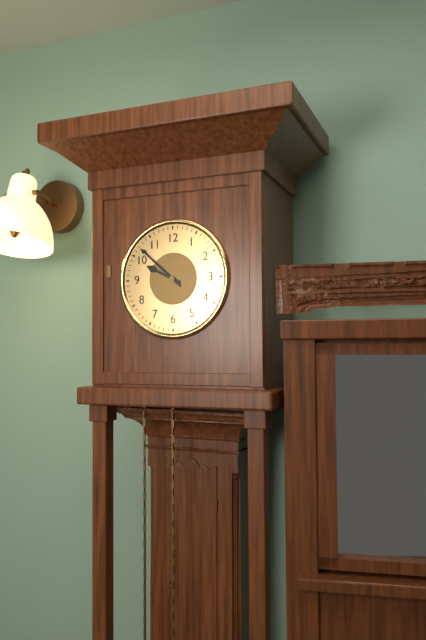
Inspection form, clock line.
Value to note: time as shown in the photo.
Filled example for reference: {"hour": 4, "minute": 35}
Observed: {"hour": 9, "minute": 52}
